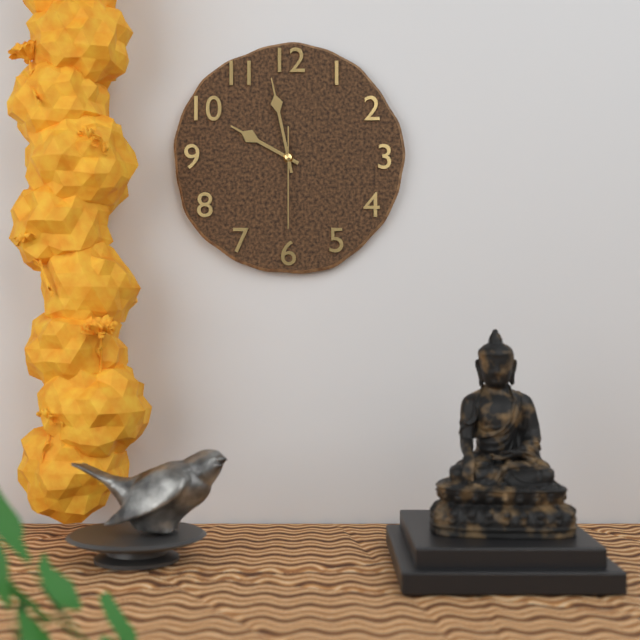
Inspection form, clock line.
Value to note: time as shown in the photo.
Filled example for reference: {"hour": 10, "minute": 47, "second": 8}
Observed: {"hour": 9, "minute": 58, "second": 30}
